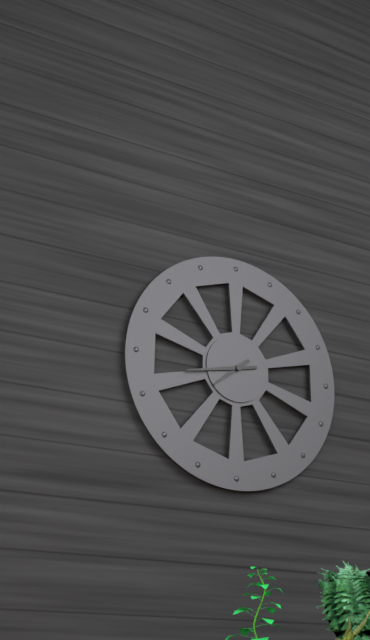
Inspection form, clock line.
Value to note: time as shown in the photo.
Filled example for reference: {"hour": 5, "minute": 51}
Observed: {"hour": 7, "minute": 43}
